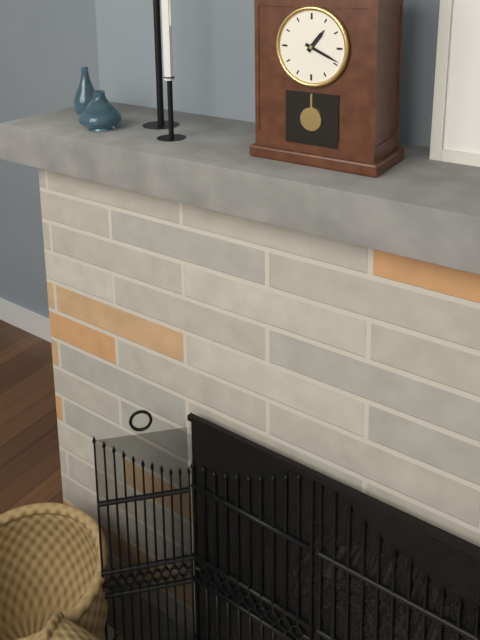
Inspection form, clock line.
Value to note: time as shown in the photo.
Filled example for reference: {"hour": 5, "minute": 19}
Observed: {"hour": 1, "minute": 19}
